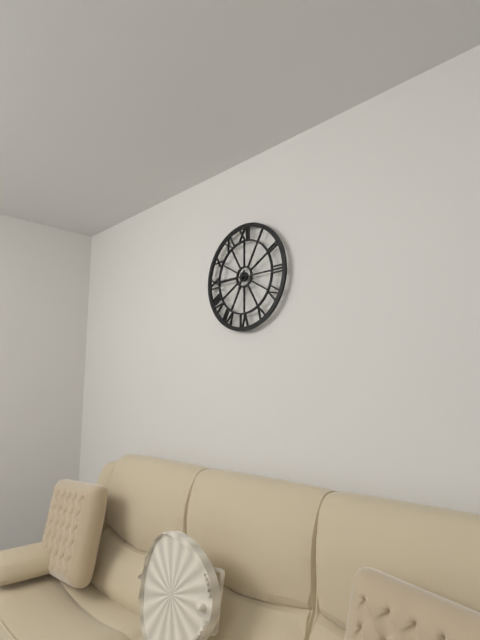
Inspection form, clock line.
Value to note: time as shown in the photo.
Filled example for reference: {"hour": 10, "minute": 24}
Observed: {"hour": 6, "minute": 45}
